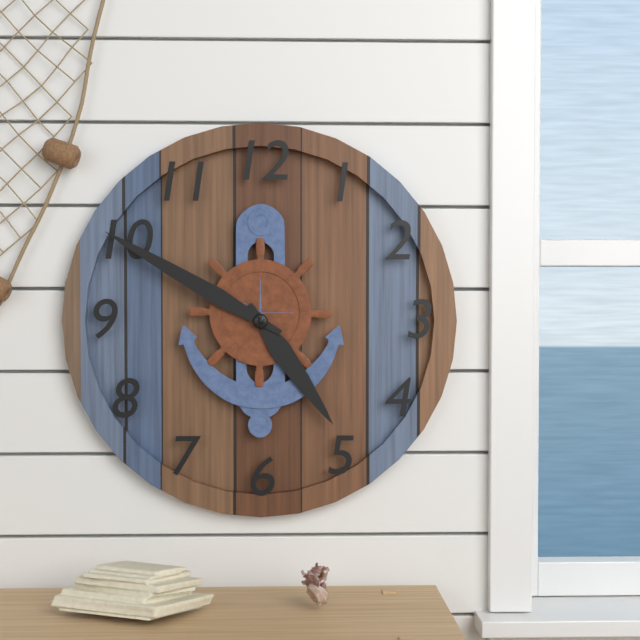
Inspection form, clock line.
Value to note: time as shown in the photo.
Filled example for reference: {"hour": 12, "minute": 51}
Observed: {"hour": 4, "minute": 50}
